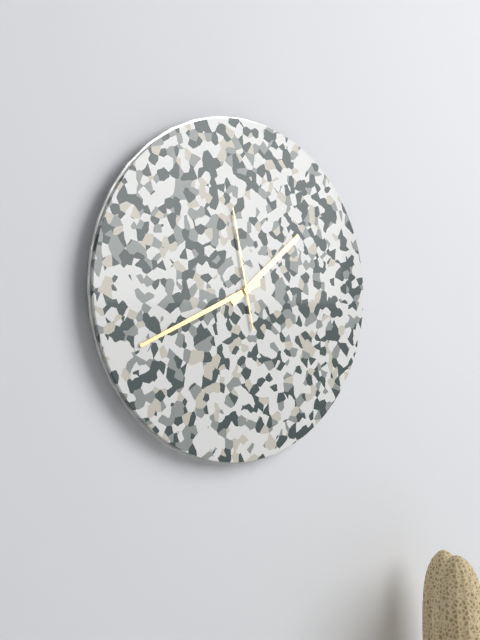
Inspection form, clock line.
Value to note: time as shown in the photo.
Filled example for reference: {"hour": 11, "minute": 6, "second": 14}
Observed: {"hour": 1, "minute": 41, "second": 58}
